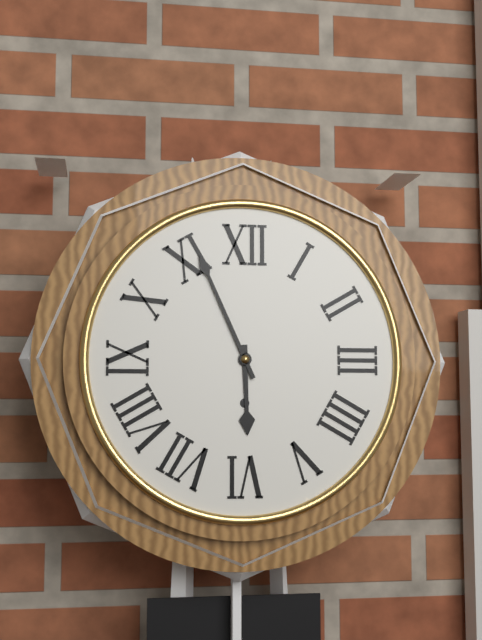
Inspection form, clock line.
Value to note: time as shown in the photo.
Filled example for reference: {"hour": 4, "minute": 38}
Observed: {"hour": 5, "minute": 56}
